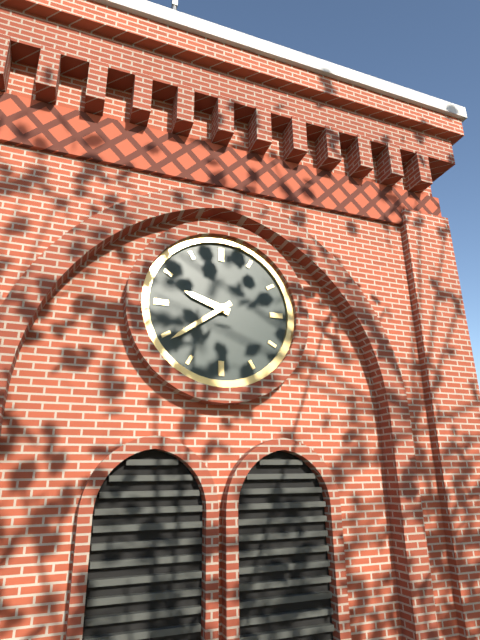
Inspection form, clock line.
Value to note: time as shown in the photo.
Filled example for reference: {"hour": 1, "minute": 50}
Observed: {"hour": 9, "minute": 39}
